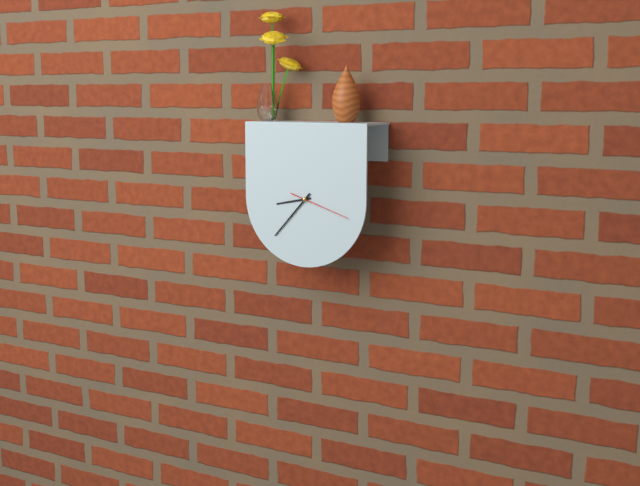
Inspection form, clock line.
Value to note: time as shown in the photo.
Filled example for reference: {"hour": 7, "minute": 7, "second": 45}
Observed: {"hour": 8, "minute": 37, "second": 18}
